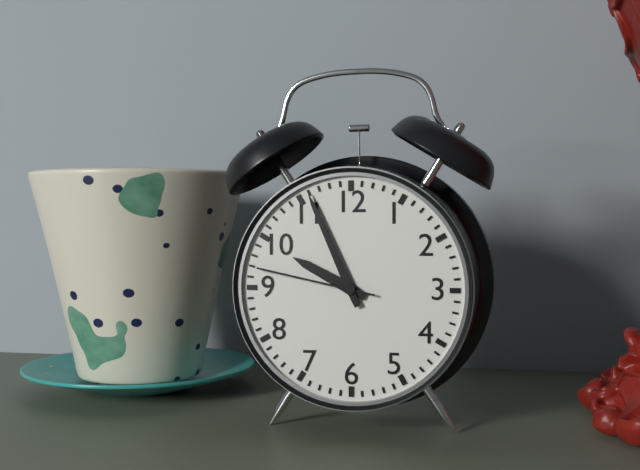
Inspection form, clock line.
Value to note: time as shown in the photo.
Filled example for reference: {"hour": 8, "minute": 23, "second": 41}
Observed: {"hour": 9, "minute": 56, "second": 47}
